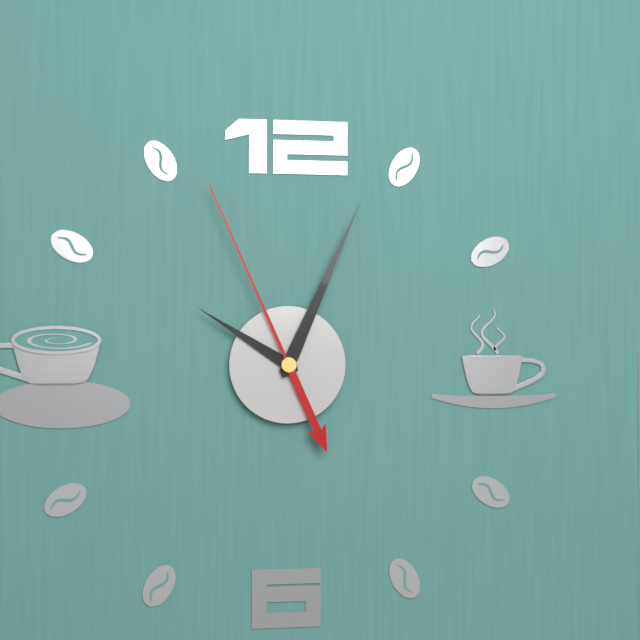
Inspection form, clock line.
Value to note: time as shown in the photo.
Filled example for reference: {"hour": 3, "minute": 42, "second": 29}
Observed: {"hour": 10, "minute": 4, "second": 56}
